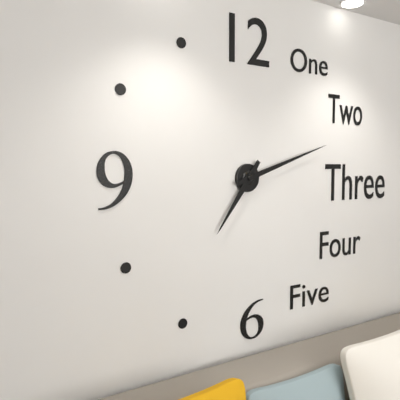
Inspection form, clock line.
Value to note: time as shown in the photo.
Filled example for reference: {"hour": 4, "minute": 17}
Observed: {"hour": 7, "minute": 12}
